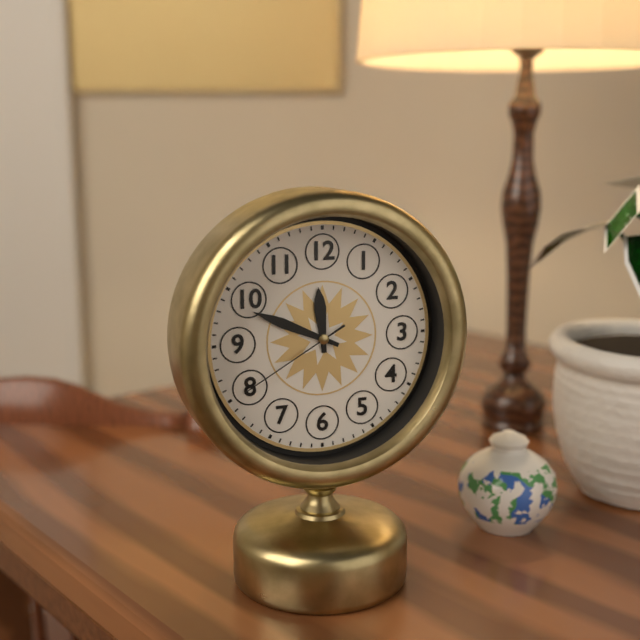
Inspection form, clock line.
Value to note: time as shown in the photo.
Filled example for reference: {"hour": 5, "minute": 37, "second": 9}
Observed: {"hour": 11, "minute": 49, "second": 40}
